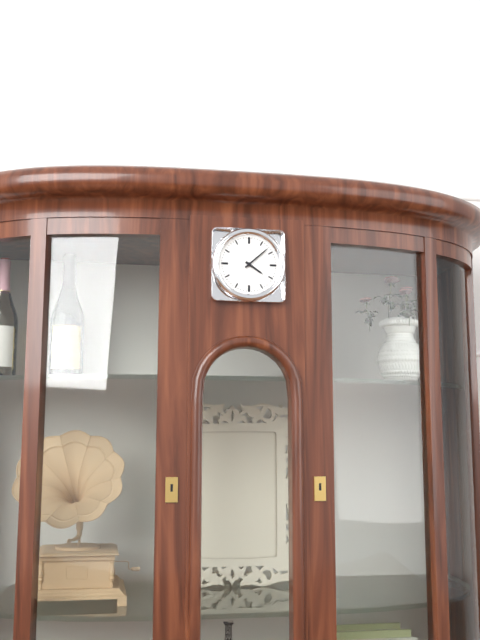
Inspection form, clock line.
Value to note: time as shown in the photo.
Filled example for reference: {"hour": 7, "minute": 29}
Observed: {"hour": 4, "minute": 8}
